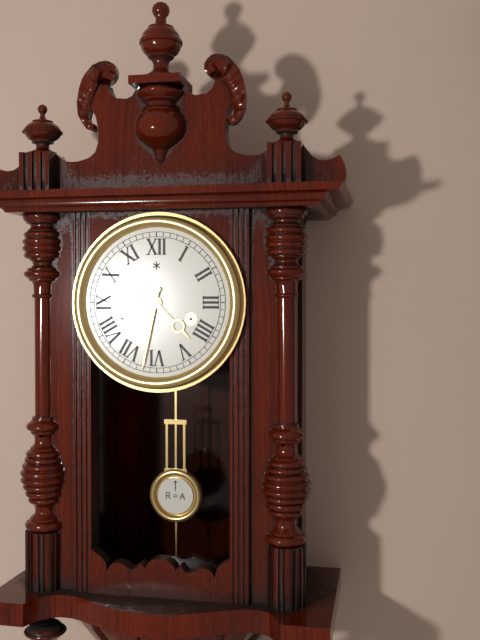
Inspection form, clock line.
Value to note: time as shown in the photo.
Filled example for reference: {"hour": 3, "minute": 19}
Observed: {"hour": 4, "minute": 32}
